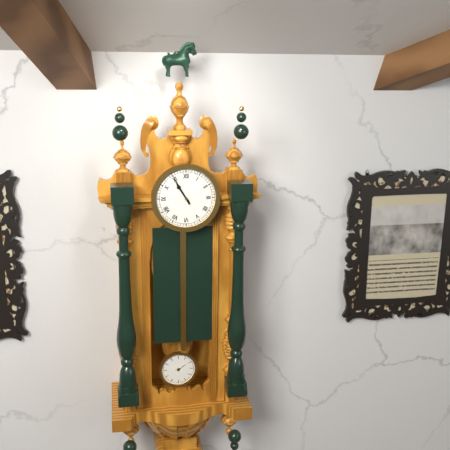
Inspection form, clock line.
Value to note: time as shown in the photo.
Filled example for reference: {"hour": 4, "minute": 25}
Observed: {"hour": 10, "minute": 55}
